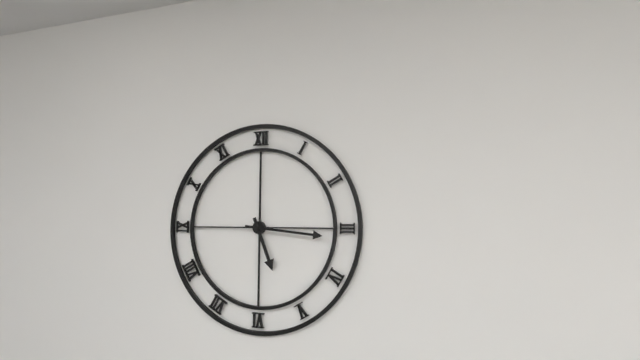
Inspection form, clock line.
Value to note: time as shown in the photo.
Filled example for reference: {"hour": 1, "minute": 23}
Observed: {"hour": 5, "minute": 16}
